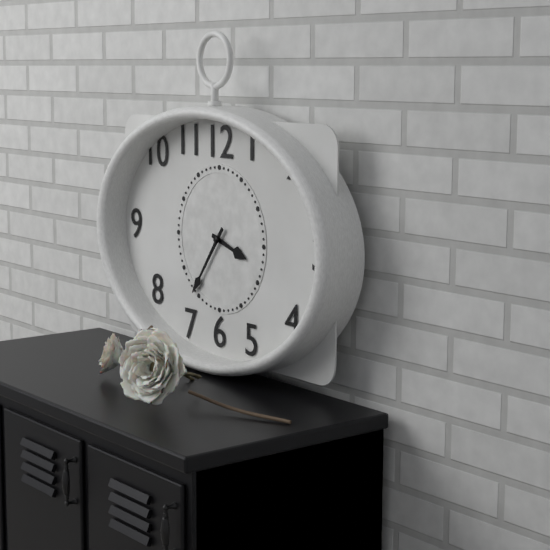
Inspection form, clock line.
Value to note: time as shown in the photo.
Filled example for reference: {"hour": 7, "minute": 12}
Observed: {"hour": 3, "minute": 36}
